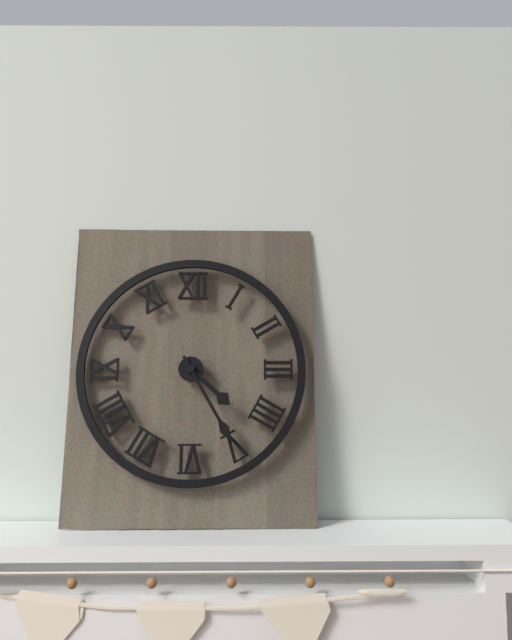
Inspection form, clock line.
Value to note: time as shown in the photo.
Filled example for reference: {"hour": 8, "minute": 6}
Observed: {"hour": 4, "minute": 25}
